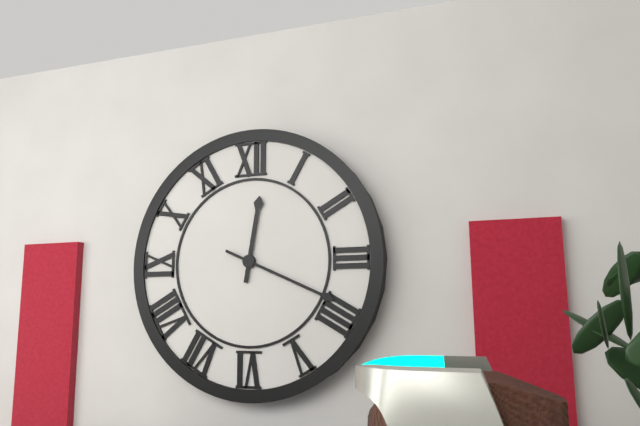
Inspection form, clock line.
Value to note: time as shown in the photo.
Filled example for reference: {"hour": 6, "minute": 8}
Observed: {"hour": 12, "minute": 19}
